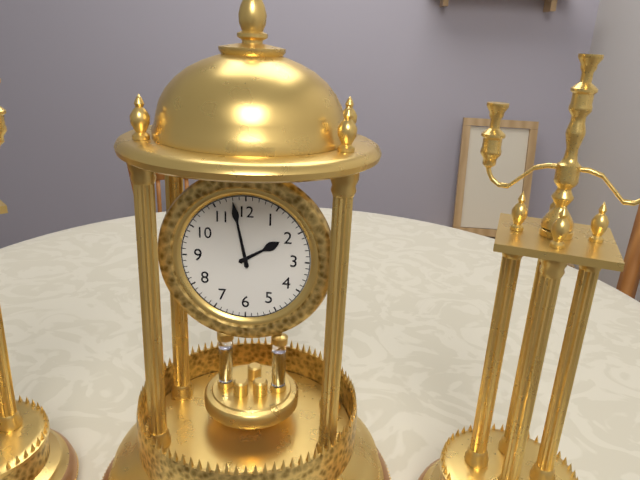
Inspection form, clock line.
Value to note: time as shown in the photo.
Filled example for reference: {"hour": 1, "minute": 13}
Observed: {"hour": 1, "minute": 58}
